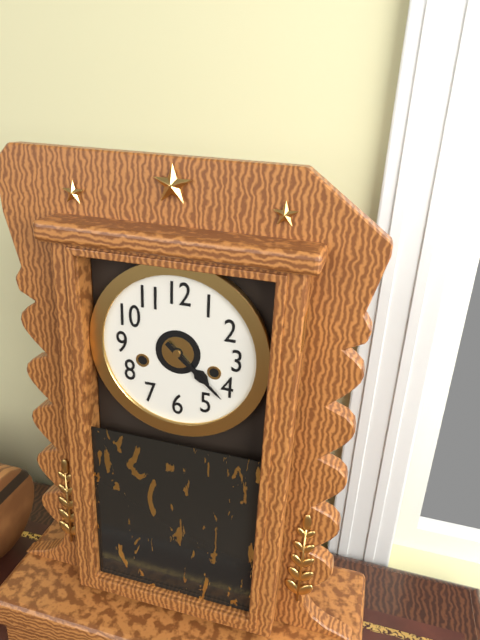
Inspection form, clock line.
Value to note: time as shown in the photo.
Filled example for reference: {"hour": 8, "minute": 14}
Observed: {"hour": 4, "minute": 22}
